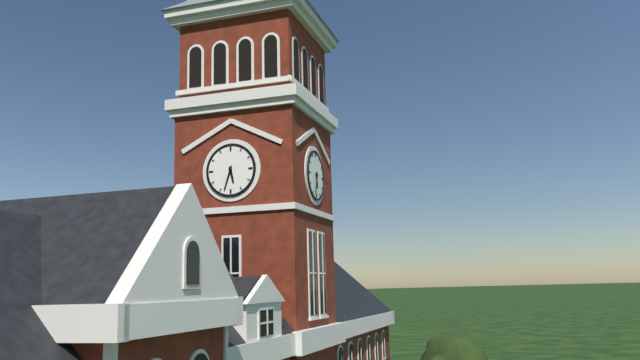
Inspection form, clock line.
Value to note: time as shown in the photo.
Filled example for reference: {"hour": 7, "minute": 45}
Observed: {"hour": 5, "minute": 33}
